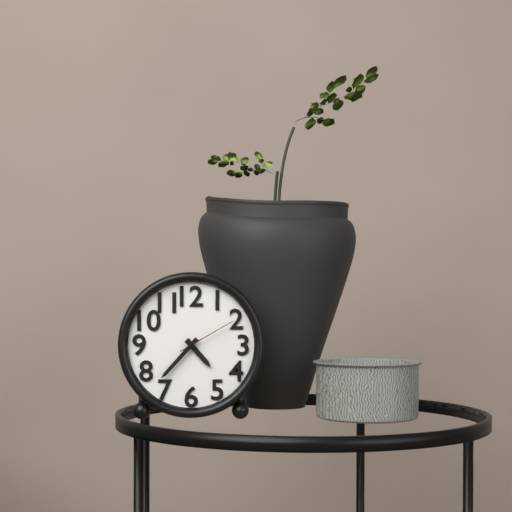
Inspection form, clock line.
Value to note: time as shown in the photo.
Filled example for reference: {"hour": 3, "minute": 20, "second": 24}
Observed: {"hour": 4, "minute": 37, "second": 10}
